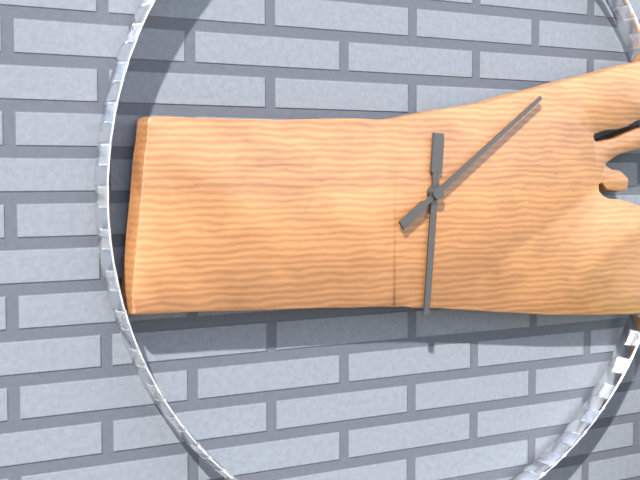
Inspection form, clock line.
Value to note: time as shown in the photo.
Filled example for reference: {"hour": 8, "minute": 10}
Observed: {"hour": 6, "minute": 9}
